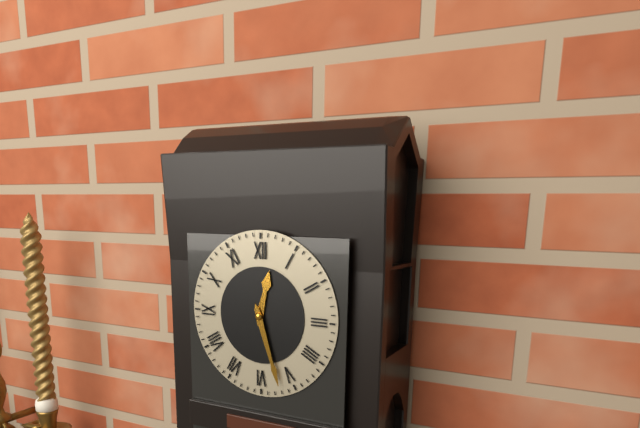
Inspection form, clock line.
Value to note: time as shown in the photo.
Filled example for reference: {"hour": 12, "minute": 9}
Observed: {"hour": 12, "minute": 27}
